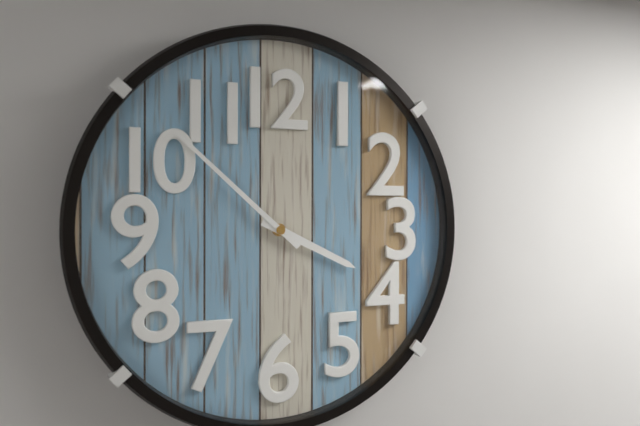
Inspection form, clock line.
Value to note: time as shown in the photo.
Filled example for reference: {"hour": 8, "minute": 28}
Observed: {"hour": 3, "minute": 52}
